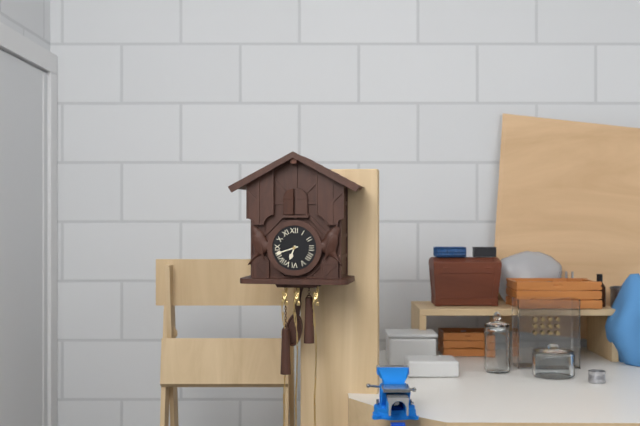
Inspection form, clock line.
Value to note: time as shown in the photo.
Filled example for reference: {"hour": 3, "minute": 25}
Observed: {"hour": 6, "minute": 42}
